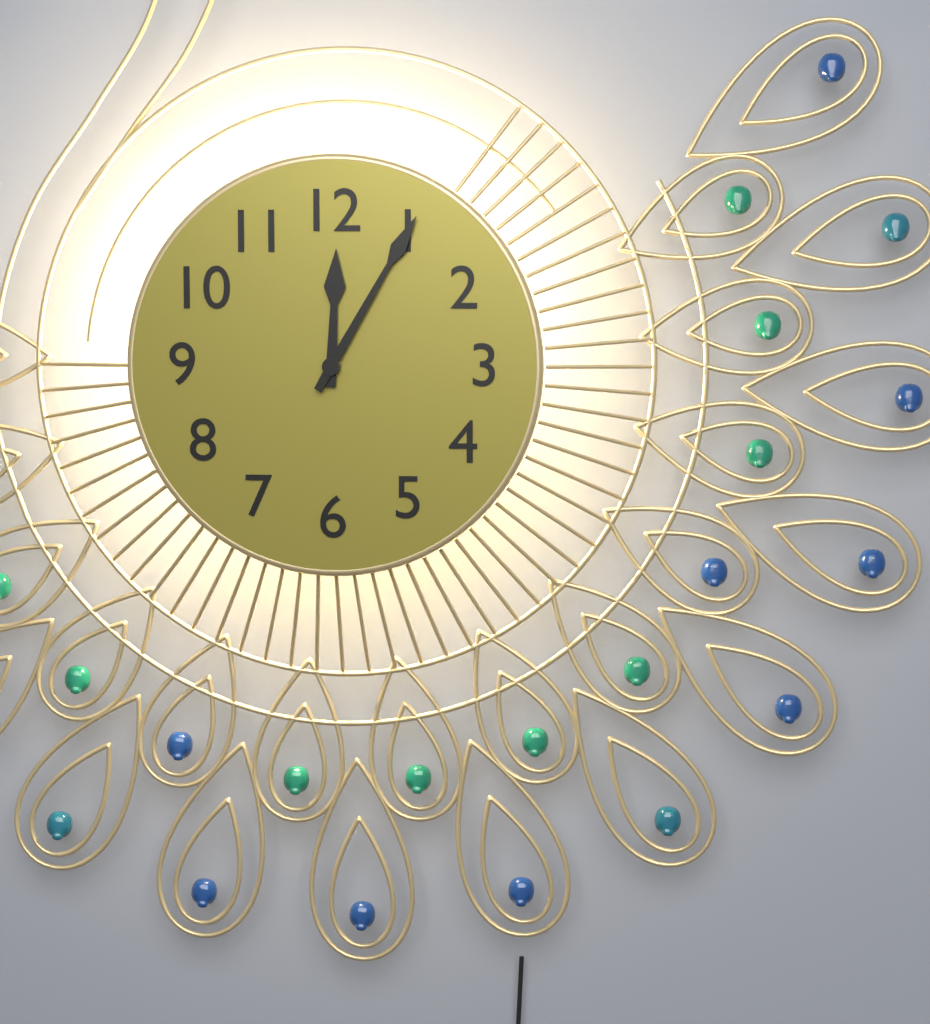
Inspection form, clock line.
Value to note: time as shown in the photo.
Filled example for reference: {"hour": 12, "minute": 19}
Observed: {"hour": 12, "minute": 5}
